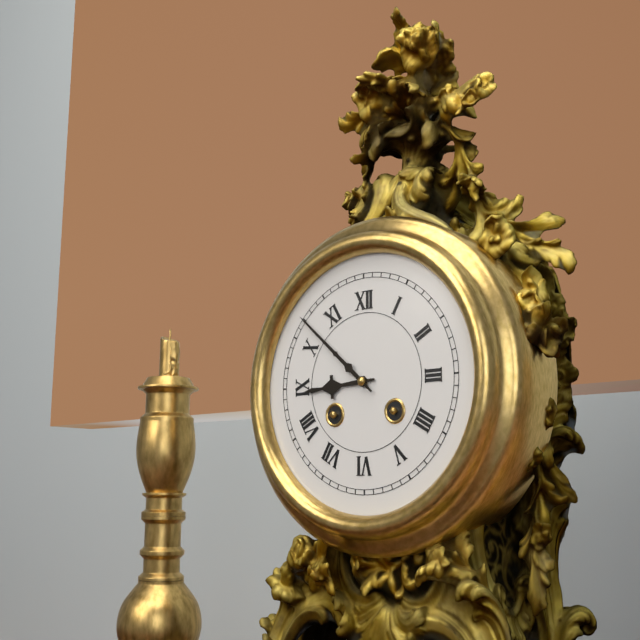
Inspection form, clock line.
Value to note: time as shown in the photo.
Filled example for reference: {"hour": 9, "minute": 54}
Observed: {"hour": 8, "minute": 52}
